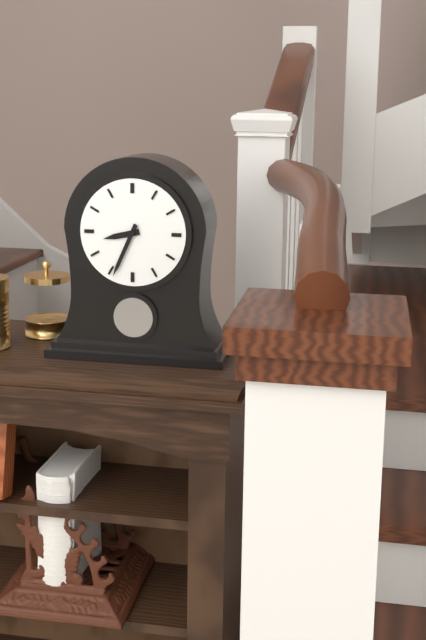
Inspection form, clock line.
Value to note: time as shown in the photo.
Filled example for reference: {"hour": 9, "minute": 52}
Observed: {"hour": 8, "minute": 34}
